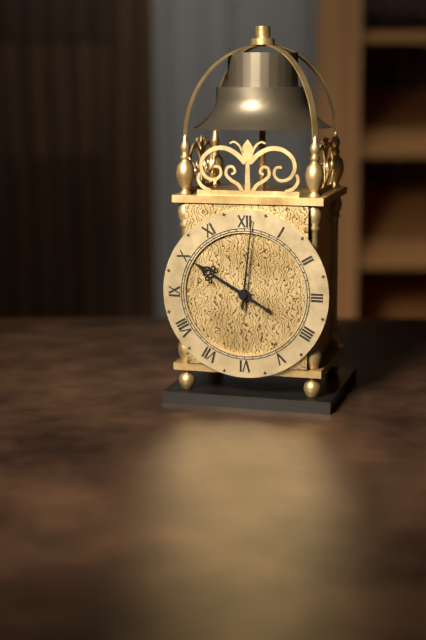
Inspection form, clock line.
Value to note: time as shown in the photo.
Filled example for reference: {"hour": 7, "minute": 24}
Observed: {"hour": 10, "minute": 1}
